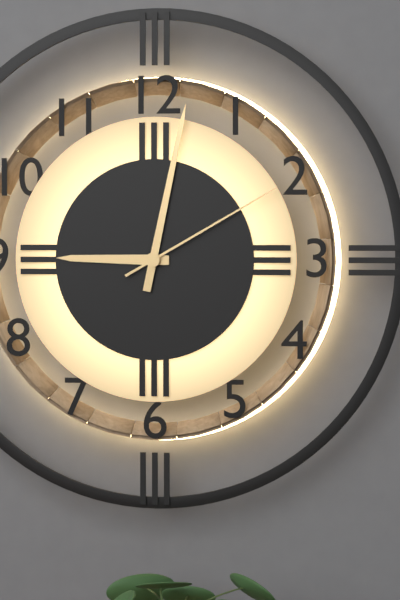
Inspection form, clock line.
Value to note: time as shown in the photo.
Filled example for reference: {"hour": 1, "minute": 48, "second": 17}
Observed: {"hour": 9, "minute": 2, "second": 10}
